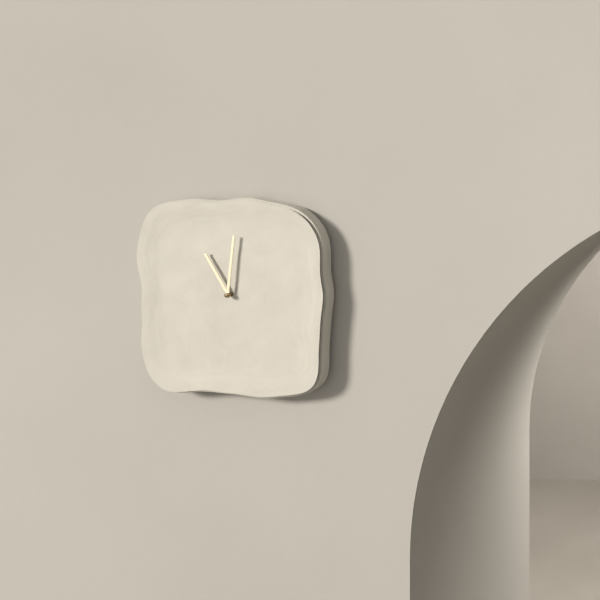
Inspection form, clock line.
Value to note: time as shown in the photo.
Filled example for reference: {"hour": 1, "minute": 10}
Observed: {"hour": 11, "minute": 1}
